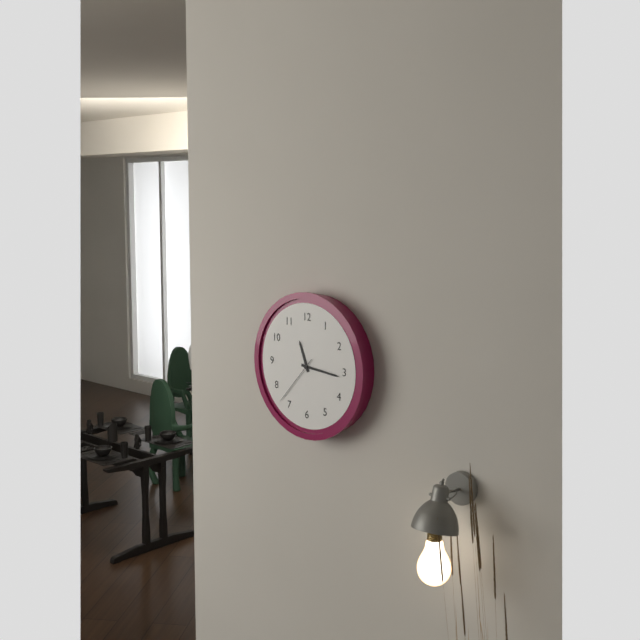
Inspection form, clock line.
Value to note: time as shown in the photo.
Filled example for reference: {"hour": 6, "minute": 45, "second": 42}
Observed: {"hour": 11, "minute": 16, "second": 37}
